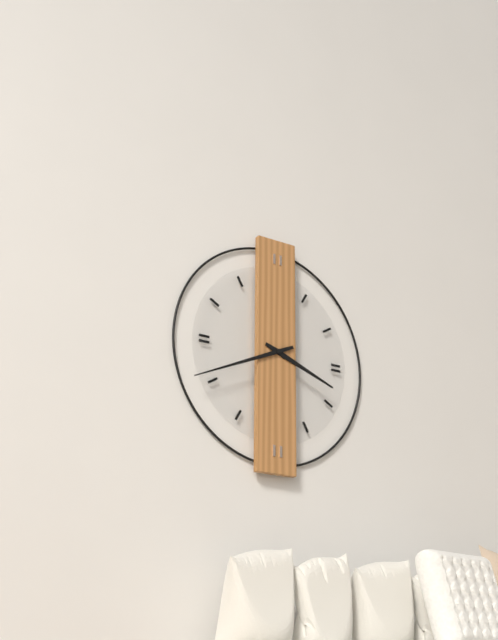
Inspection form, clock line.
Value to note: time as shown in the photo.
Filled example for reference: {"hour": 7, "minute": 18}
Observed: {"hour": 3, "minute": 41}
